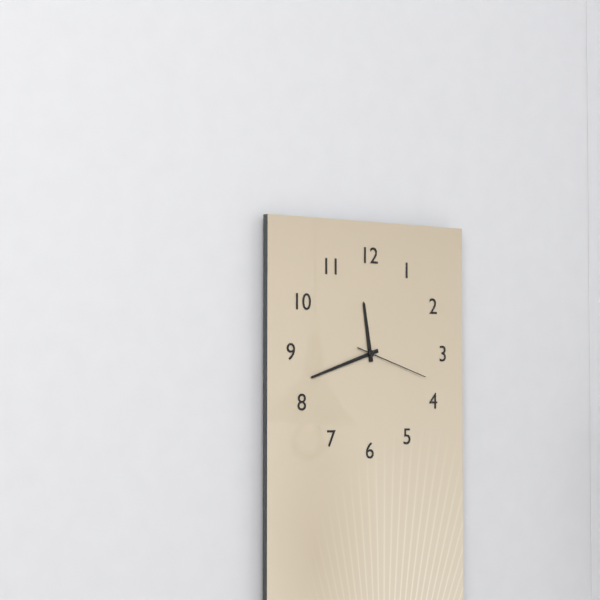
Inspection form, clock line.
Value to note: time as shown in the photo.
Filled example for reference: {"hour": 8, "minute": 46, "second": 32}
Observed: {"hour": 11, "minute": 42, "second": 18}
